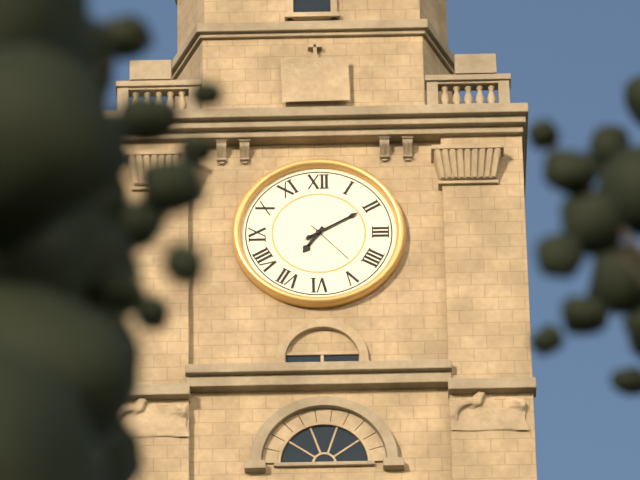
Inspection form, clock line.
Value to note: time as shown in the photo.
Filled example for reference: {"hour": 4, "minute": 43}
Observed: {"hour": 7, "minute": 10}
